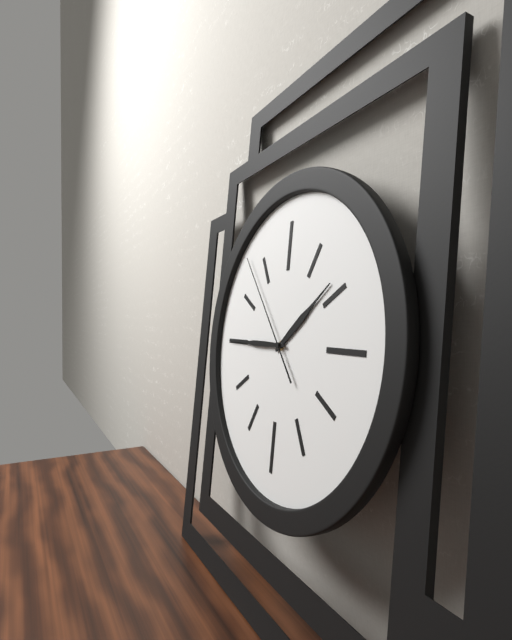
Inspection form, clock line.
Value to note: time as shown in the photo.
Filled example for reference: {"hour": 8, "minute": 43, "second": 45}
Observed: {"hour": 1, "minute": 45, "second": 53}
